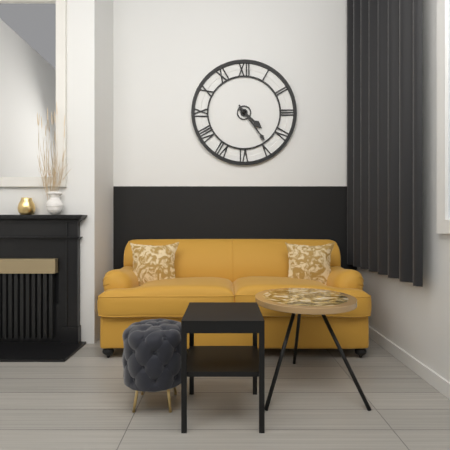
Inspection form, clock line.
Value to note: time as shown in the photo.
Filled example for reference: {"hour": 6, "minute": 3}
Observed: {"hour": 4, "minute": 24}
